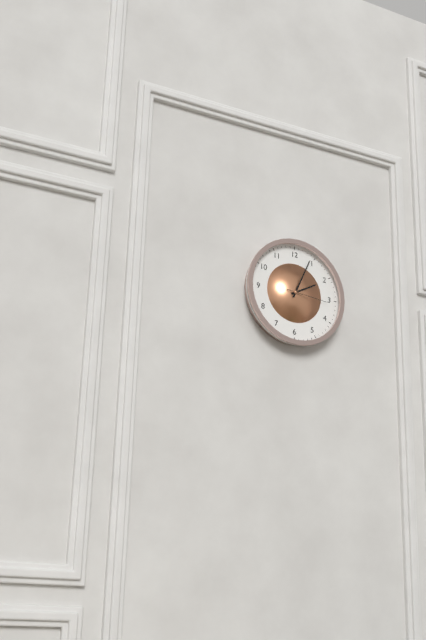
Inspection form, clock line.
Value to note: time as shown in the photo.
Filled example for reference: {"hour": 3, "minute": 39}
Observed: {"hour": 2, "minute": 4}
